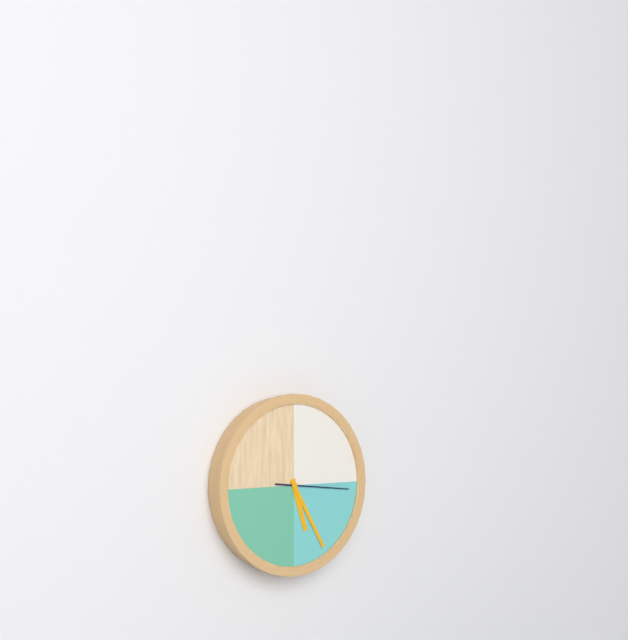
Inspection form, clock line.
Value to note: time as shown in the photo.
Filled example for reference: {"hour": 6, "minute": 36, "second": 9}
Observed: {"hour": 5, "minute": 25, "second": 16}
